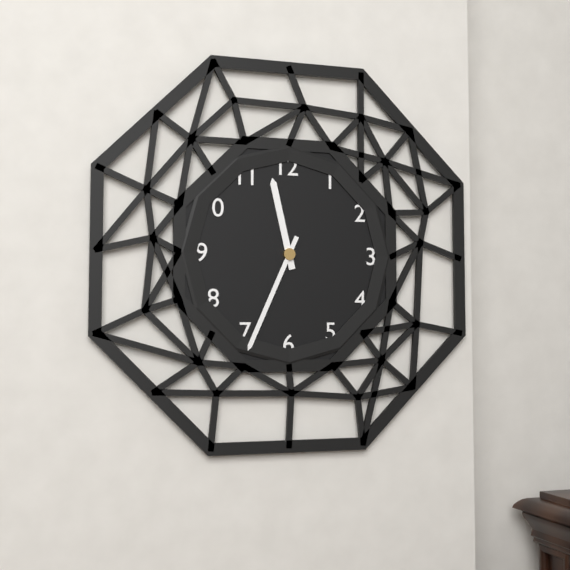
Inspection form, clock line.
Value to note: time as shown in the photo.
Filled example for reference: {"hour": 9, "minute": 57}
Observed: {"hour": 11, "minute": 34}
